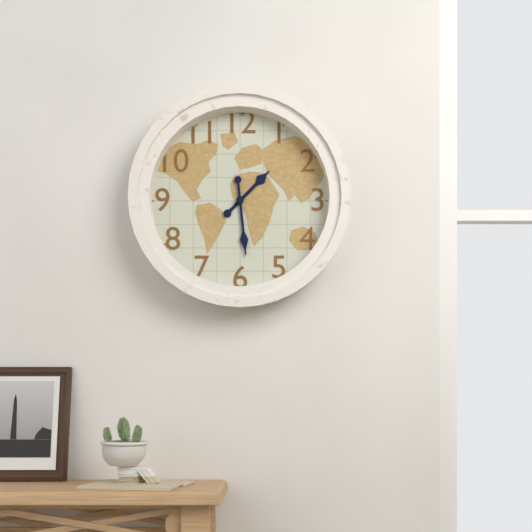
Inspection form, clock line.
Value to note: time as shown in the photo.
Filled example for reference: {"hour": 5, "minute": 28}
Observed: {"hour": 1, "minute": 29}
